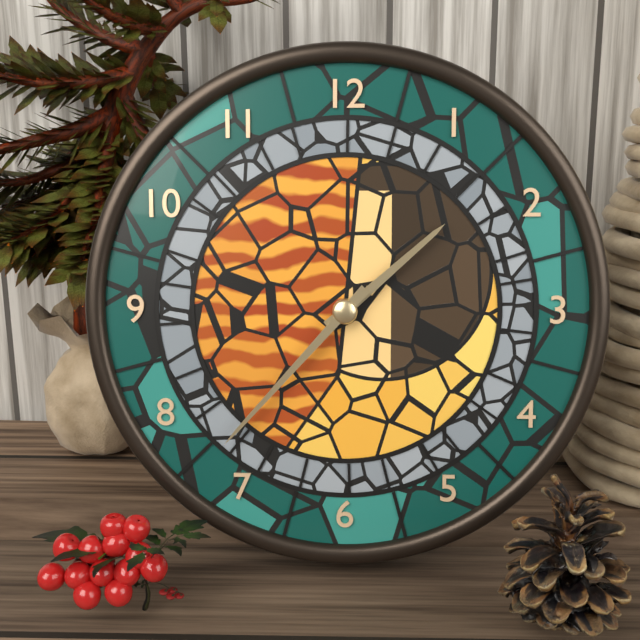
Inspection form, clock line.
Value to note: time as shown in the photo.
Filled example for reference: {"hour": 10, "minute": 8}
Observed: {"hour": 1, "minute": 37}
